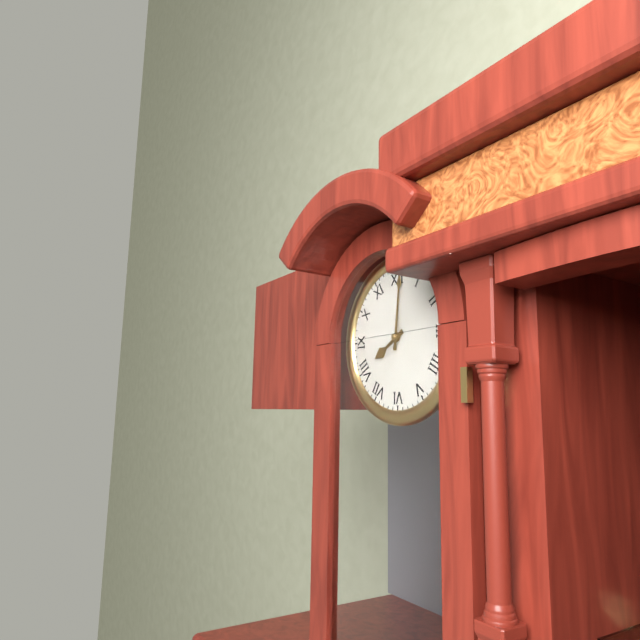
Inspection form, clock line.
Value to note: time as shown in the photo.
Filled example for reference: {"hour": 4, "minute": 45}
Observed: {"hour": 8, "minute": 1}
